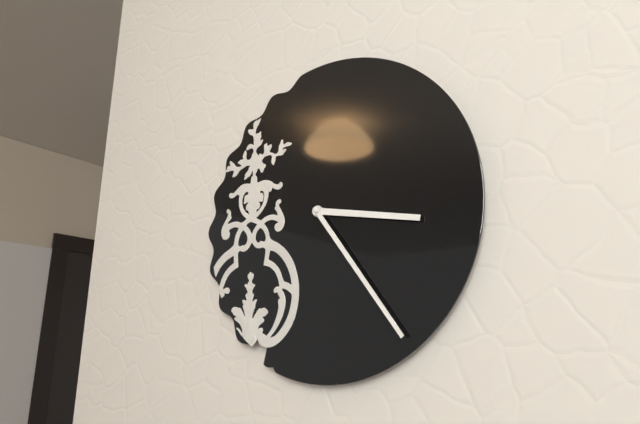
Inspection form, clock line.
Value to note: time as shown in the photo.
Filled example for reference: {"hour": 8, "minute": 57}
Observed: {"hour": 3, "minute": 24}
